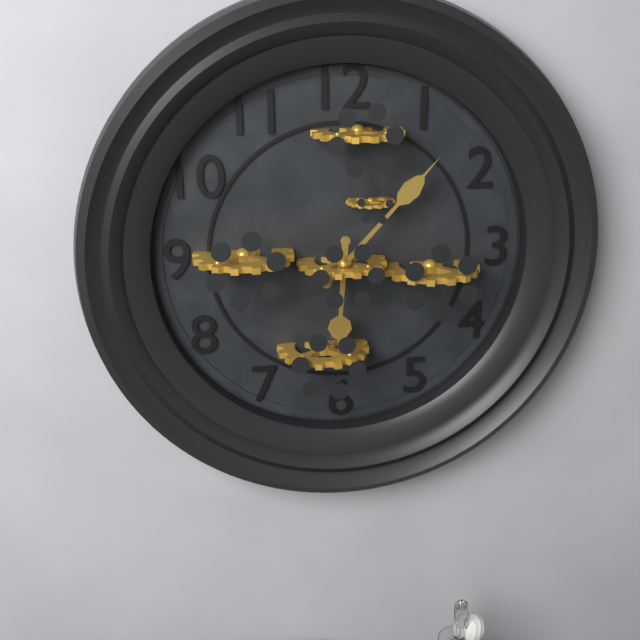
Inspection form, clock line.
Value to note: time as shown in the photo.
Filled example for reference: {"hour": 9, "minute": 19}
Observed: {"hour": 6, "minute": 7}
